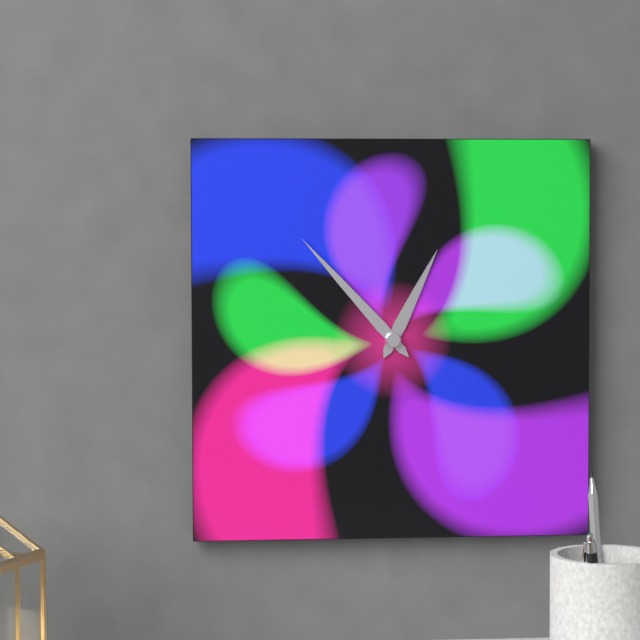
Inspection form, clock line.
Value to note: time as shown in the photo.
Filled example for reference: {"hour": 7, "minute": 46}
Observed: {"hour": 12, "minute": 53}
